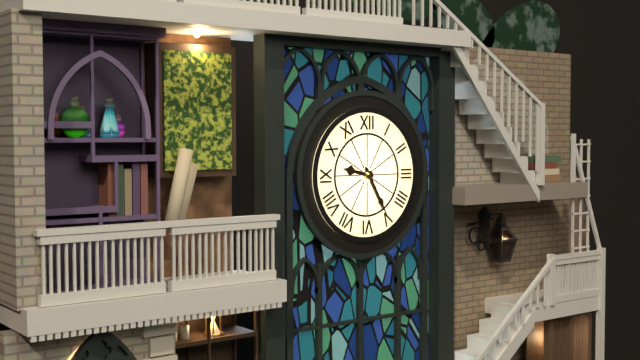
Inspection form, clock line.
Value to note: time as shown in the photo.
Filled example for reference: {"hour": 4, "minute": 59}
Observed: {"hour": 9, "minute": 25}
